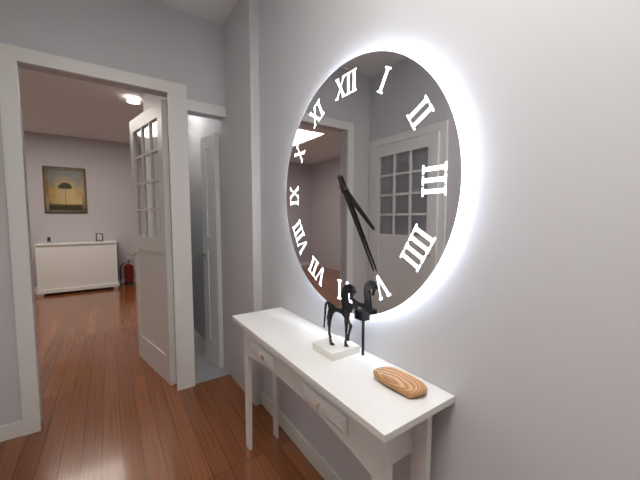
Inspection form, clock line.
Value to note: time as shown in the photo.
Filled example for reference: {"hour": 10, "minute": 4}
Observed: {"hour": 4, "minute": 25}
